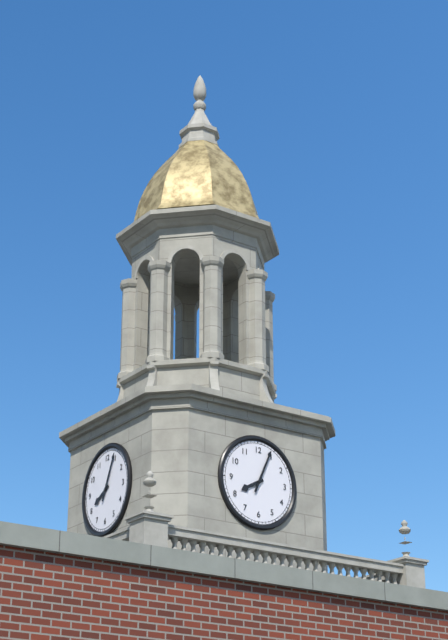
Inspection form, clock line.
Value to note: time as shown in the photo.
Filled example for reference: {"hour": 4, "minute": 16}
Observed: {"hour": 8, "minute": 4}
